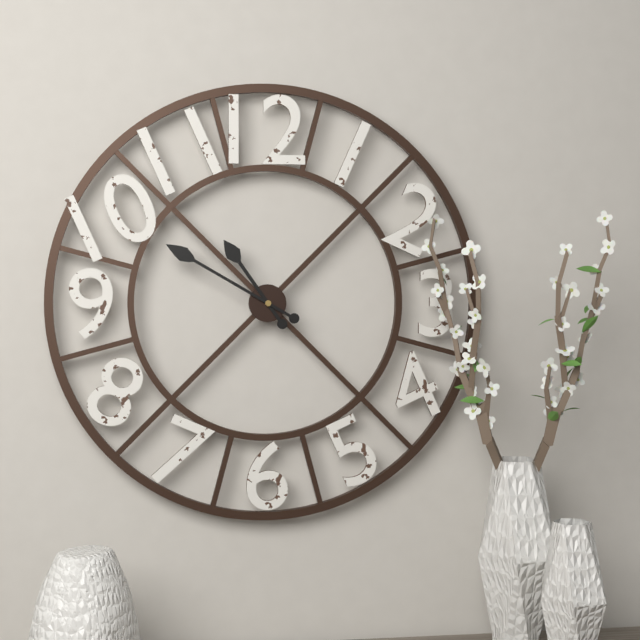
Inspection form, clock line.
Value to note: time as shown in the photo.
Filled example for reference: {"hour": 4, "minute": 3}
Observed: {"hour": 10, "minute": 50}
